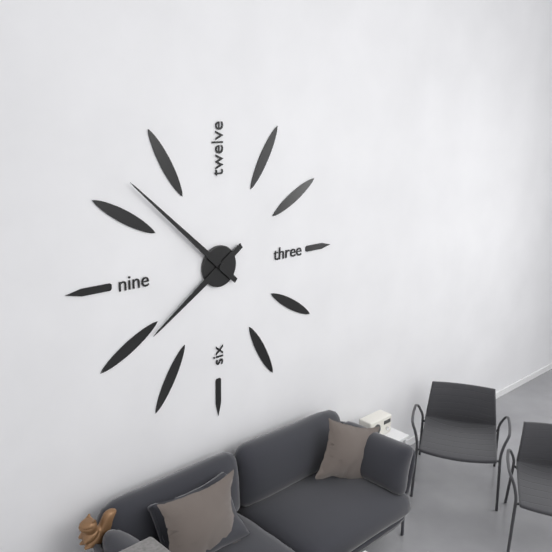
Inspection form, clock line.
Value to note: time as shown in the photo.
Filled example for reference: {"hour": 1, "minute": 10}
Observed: {"hour": 7, "minute": 52}
